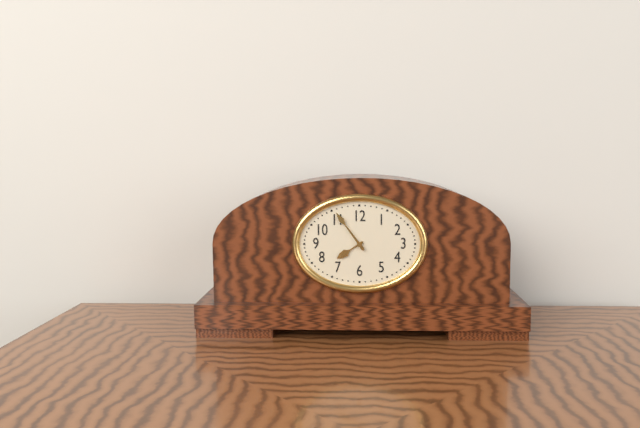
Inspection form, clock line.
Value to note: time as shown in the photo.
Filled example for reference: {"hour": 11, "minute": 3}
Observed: {"hour": 7, "minute": 54}
